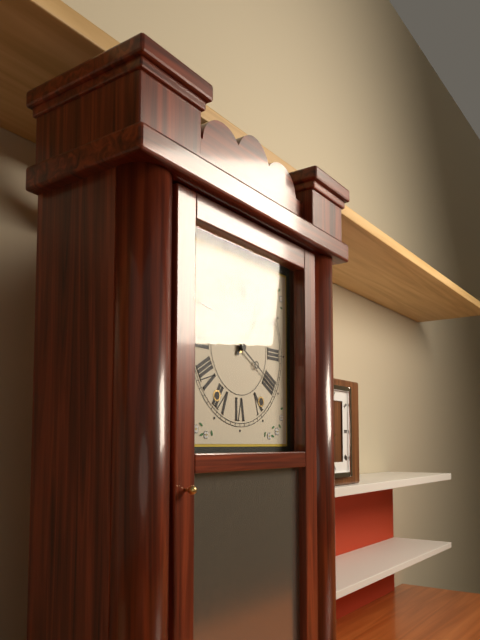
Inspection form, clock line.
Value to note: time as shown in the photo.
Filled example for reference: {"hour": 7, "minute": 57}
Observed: {"hour": 1, "minute": 20}
